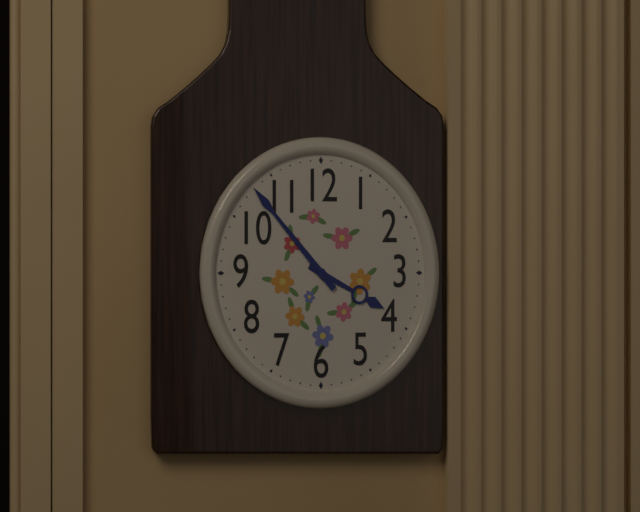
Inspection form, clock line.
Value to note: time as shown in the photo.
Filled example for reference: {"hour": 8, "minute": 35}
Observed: {"hour": 3, "minute": 53}
